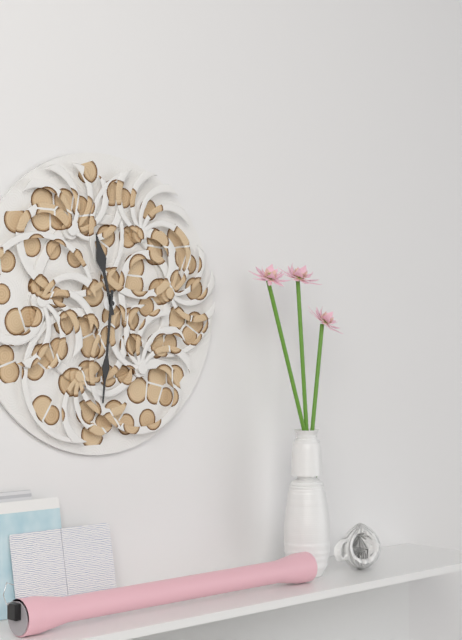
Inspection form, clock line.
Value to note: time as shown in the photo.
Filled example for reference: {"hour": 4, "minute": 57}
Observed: {"hour": 11, "minute": 31}
